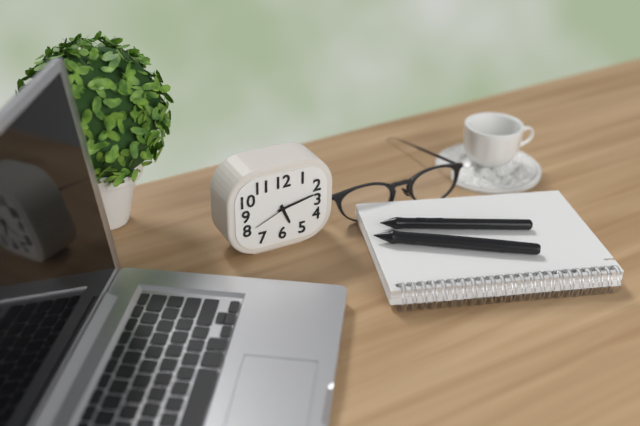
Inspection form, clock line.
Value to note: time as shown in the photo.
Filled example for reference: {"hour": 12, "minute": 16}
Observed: {"hour": 5, "minute": 13}
